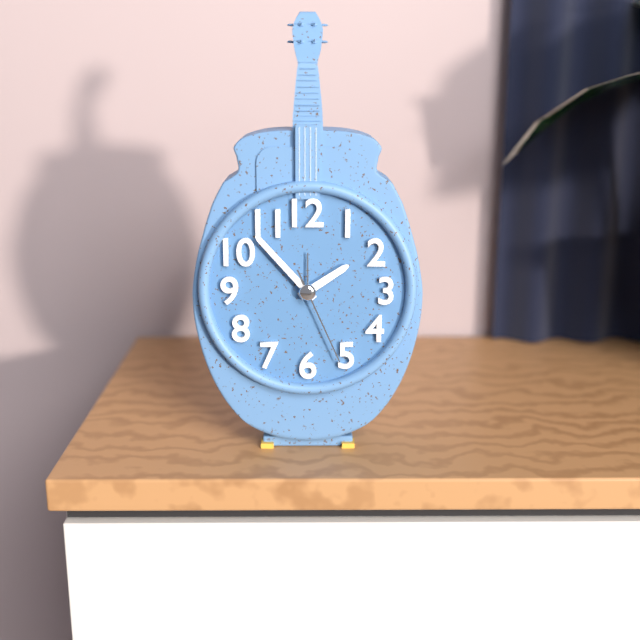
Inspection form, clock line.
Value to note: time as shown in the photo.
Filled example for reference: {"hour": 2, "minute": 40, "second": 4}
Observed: {"hour": 1, "minute": 53, "second": 26}
